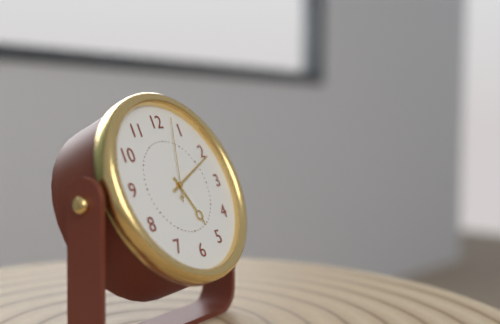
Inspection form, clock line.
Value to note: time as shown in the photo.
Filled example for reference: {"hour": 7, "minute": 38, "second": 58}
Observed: {"hour": 5, "minute": 11, "second": 3}
